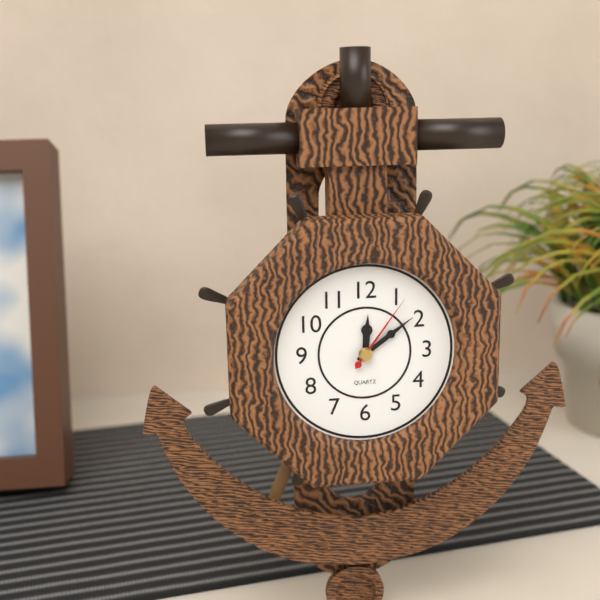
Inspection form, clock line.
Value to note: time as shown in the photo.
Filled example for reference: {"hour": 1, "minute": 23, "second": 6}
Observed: {"hour": 12, "minute": 9, "second": 6}
